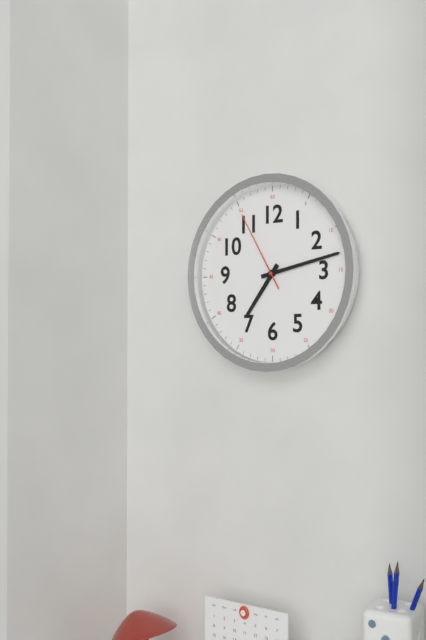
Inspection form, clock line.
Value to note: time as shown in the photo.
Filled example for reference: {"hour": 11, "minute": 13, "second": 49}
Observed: {"hour": 7, "minute": 13, "second": 55}
